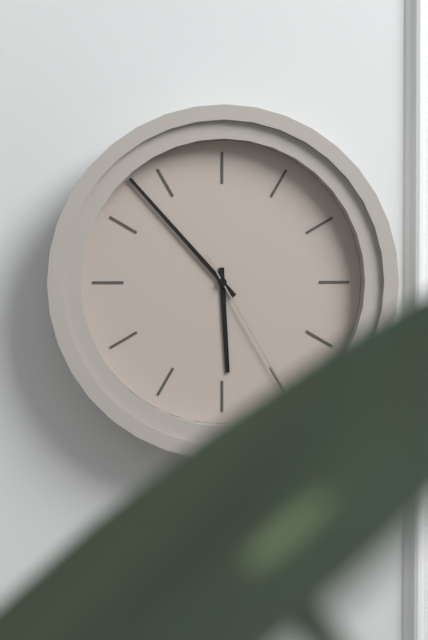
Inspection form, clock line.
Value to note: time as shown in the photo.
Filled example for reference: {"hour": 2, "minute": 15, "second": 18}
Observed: {"hour": 5, "minute": 53, "second": 25}
